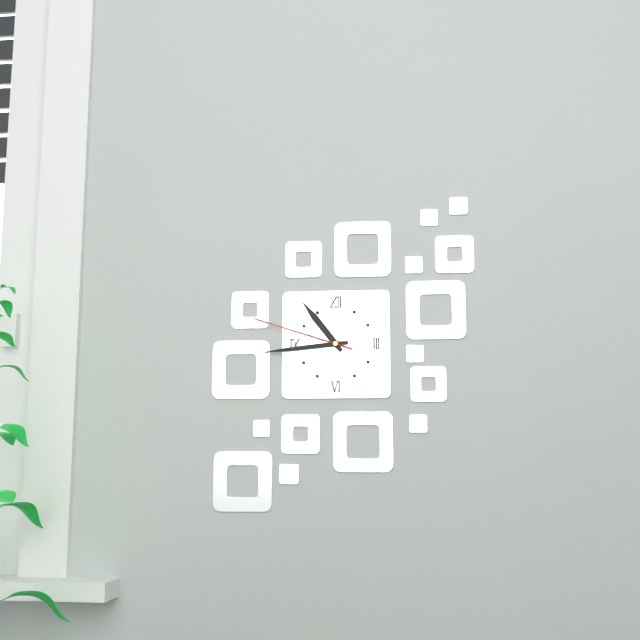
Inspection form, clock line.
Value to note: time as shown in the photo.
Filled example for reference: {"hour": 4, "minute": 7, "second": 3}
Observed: {"hour": 10, "minute": 44, "second": 48}
